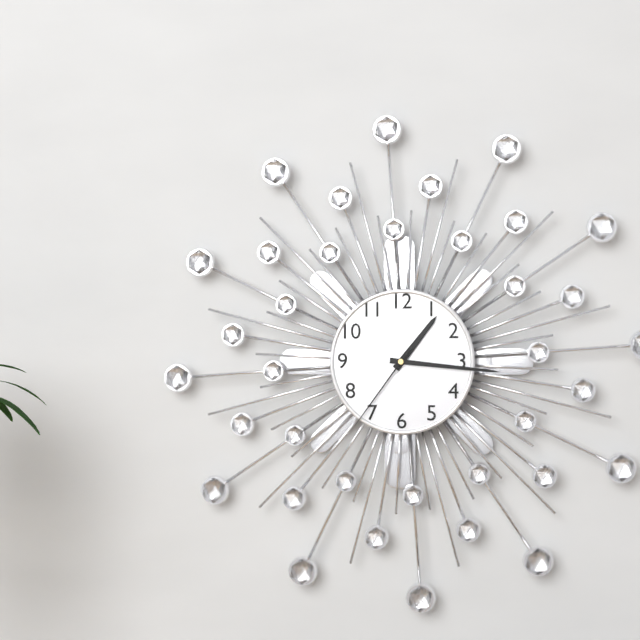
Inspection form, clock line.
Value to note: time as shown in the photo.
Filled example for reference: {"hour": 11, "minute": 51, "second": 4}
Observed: {"hour": 1, "minute": 16, "second": 36}
